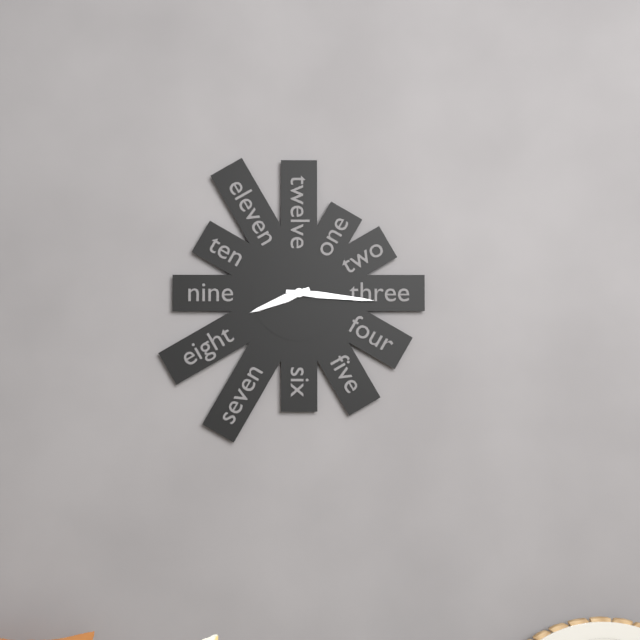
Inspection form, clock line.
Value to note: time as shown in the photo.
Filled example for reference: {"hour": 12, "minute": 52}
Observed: {"hour": 8, "minute": 16}
